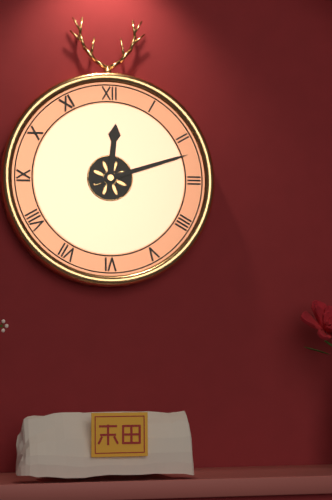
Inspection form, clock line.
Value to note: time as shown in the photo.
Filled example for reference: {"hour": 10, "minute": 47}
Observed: {"hour": 12, "minute": 12}
